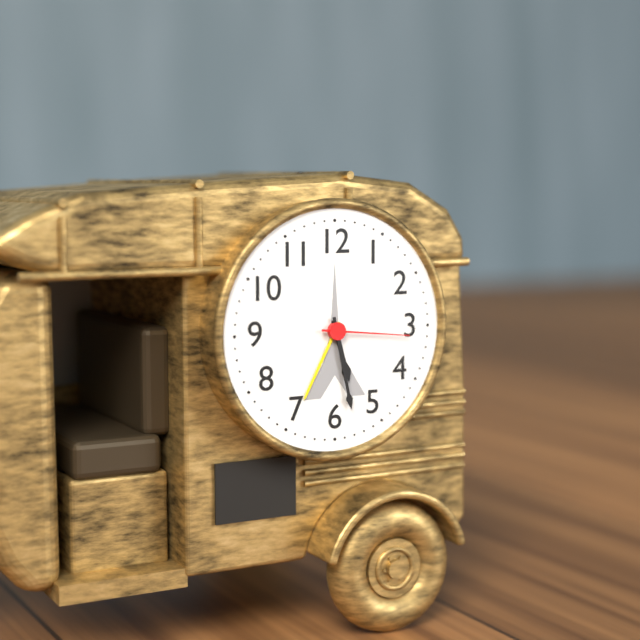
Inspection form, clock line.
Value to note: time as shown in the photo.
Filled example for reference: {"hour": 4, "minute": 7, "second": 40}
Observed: {"hour": 5, "minute": 28, "second": 16}
